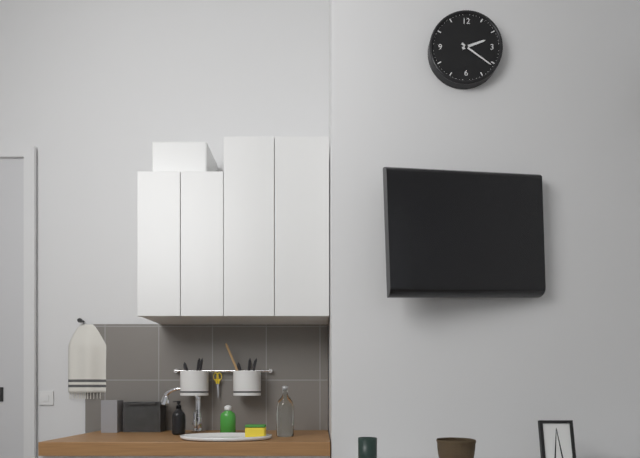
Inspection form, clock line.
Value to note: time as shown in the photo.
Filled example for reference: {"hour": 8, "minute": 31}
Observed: {"hour": 2, "minute": 21}
